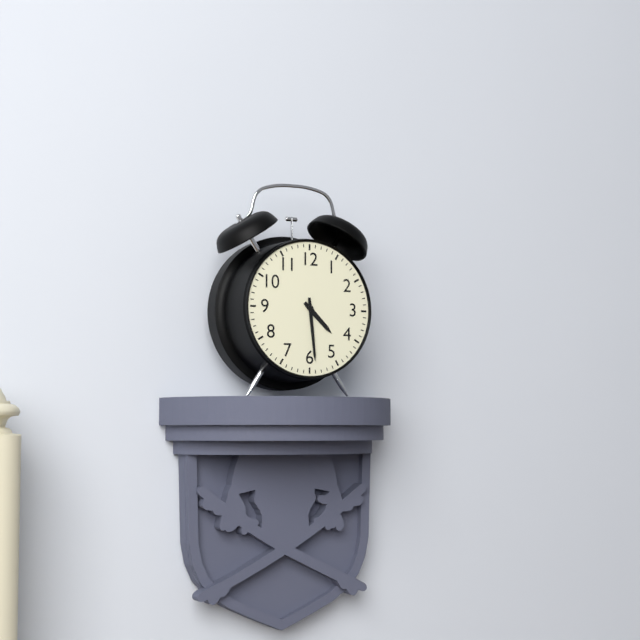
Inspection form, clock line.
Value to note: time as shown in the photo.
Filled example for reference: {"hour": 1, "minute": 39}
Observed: {"hour": 4, "minute": 29}
